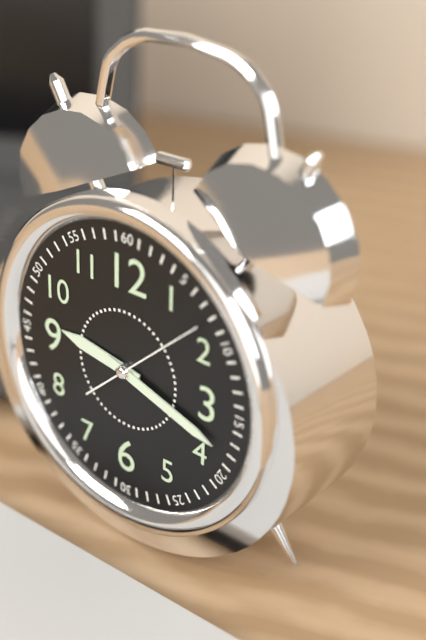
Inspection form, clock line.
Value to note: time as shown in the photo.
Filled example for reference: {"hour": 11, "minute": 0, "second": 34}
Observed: {"hour": 9, "minute": 18, "second": 8}
